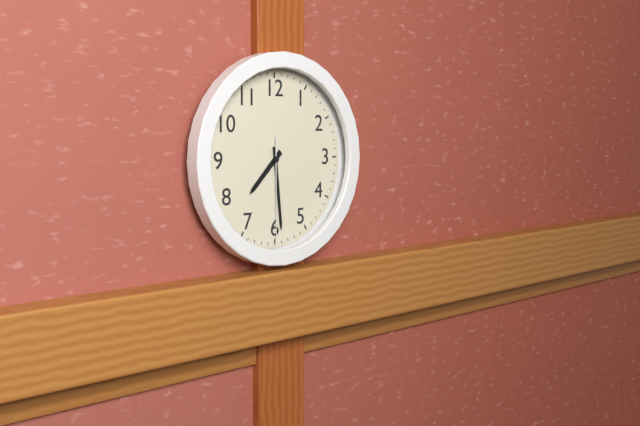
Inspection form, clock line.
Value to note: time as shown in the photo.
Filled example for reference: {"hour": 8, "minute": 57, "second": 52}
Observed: {"hour": 7, "minute": 29, "second": 30}
